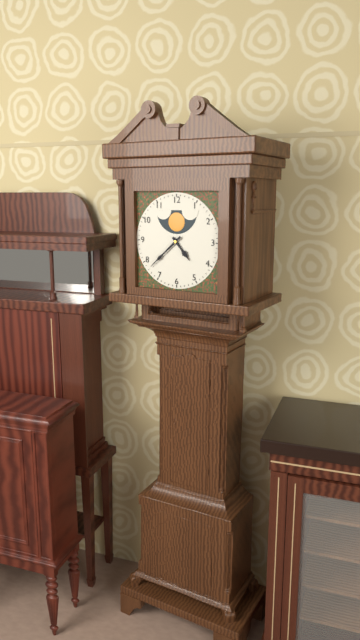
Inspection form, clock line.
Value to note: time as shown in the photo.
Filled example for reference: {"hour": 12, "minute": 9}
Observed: {"hour": 4, "minute": 38}
